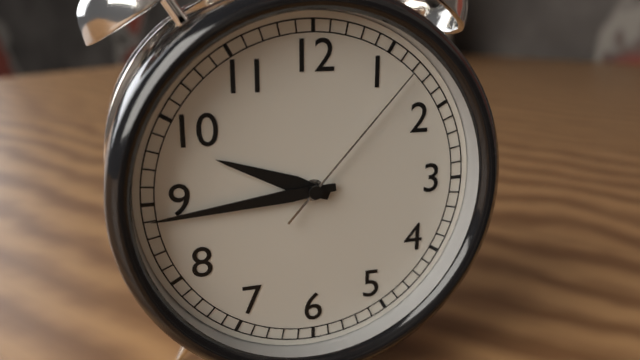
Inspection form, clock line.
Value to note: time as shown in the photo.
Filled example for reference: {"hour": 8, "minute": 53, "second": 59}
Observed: {"hour": 9, "minute": 44, "second": 7}
